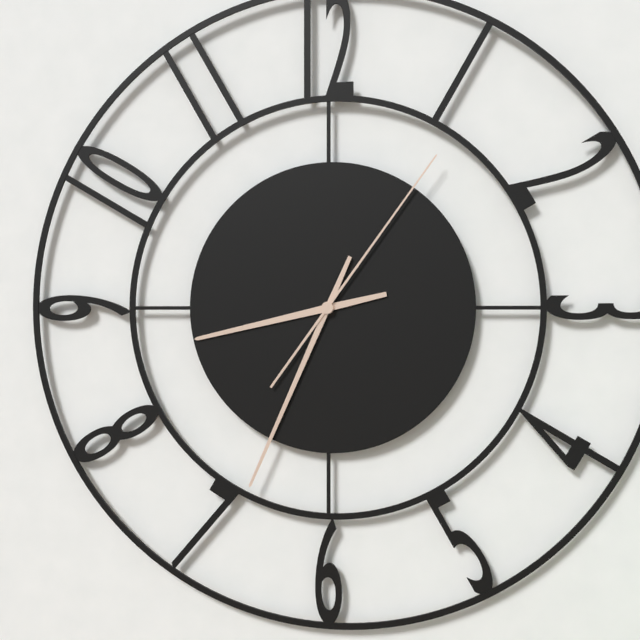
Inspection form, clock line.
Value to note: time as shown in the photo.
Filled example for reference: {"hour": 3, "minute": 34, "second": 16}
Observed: {"hour": 8, "minute": 34, "second": 6}
